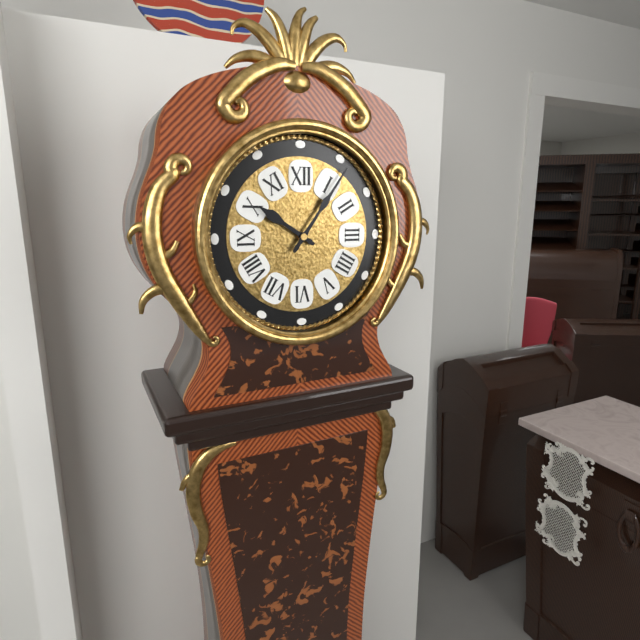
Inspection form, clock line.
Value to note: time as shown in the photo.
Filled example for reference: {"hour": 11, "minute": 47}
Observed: {"hour": 10, "minute": 6}
